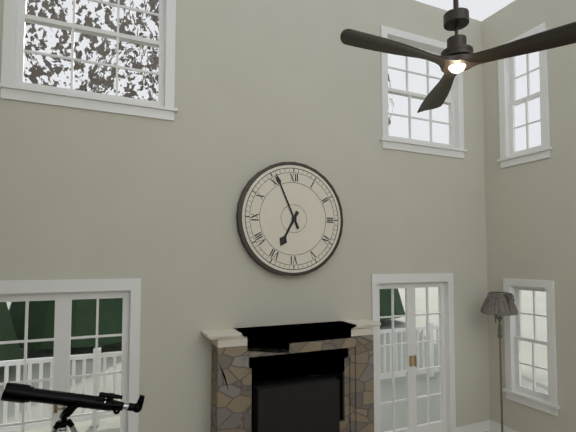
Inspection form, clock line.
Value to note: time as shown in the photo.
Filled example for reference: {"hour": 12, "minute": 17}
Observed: {"hour": 6, "minute": 56}
